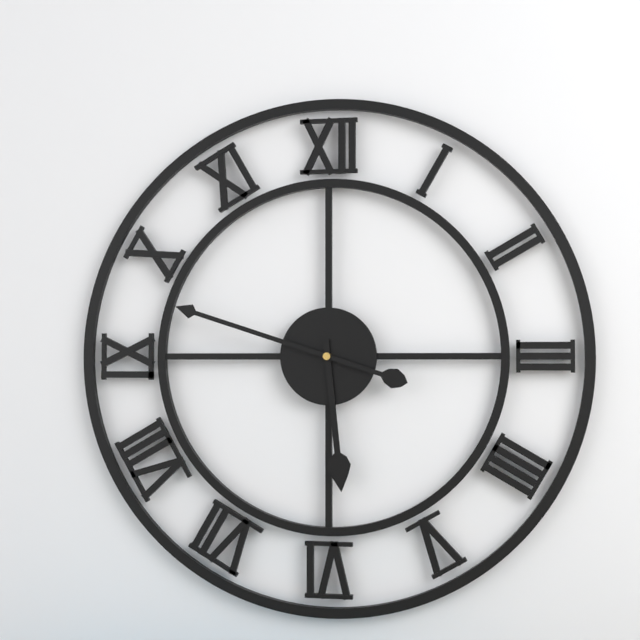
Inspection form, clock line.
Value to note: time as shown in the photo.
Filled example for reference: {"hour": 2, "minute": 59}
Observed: {"hour": 5, "minute": 48}
